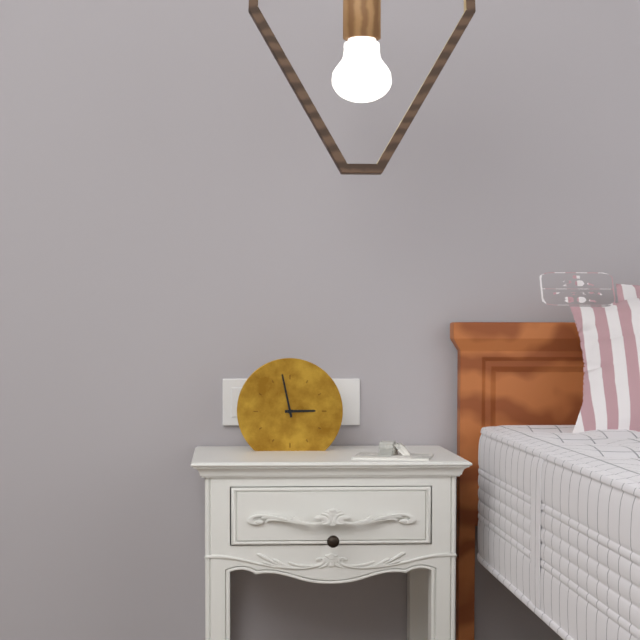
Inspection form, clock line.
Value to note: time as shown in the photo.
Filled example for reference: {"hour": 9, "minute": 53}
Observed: {"hour": 2, "minute": 58}
